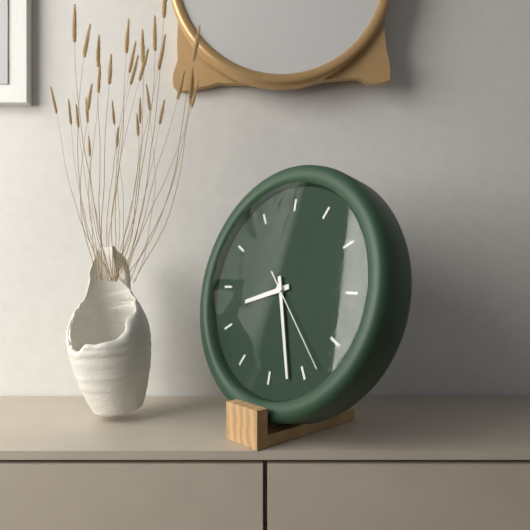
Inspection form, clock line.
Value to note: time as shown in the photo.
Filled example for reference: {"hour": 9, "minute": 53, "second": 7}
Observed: {"hour": 8, "minute": 27, "second": 23}
